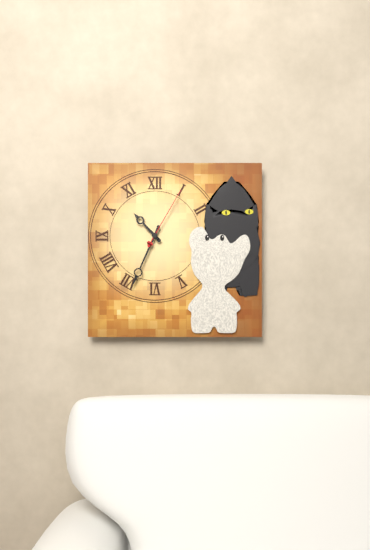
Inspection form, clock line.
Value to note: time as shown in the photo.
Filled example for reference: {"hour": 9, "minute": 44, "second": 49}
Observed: {"hour": 10, "minute": 34, "second": 5}
